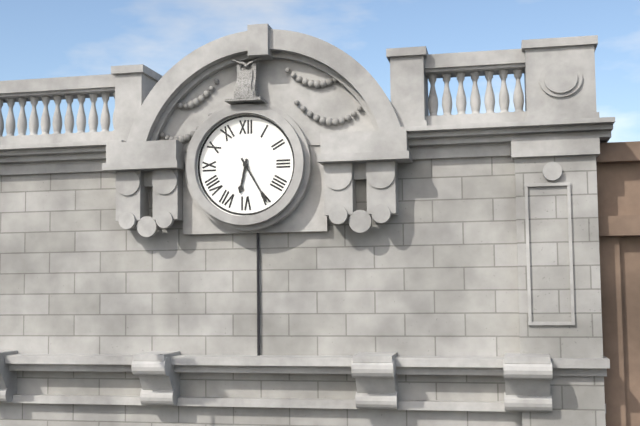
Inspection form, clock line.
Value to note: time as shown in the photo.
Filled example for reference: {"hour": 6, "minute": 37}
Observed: {"hour": 6, "minute": 25}
